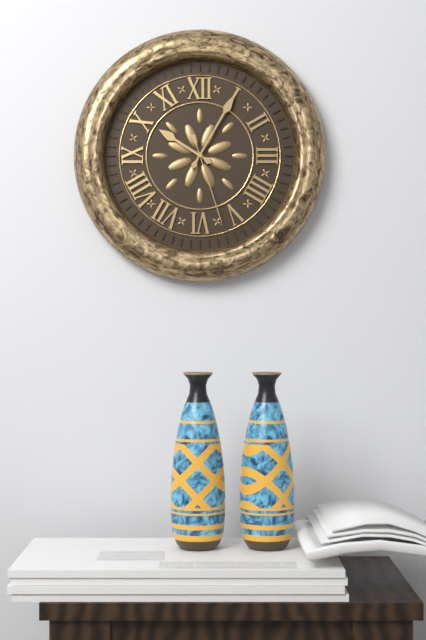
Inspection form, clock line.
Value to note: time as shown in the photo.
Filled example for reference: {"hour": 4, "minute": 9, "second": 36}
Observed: {"hour": 10, "minute": 5, "second": 27}
